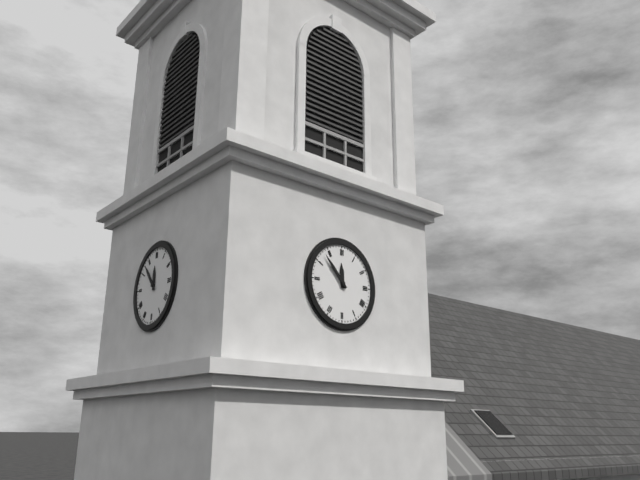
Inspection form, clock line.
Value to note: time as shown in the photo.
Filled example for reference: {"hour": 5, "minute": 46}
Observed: {"hour": 11, "minute": 53}
